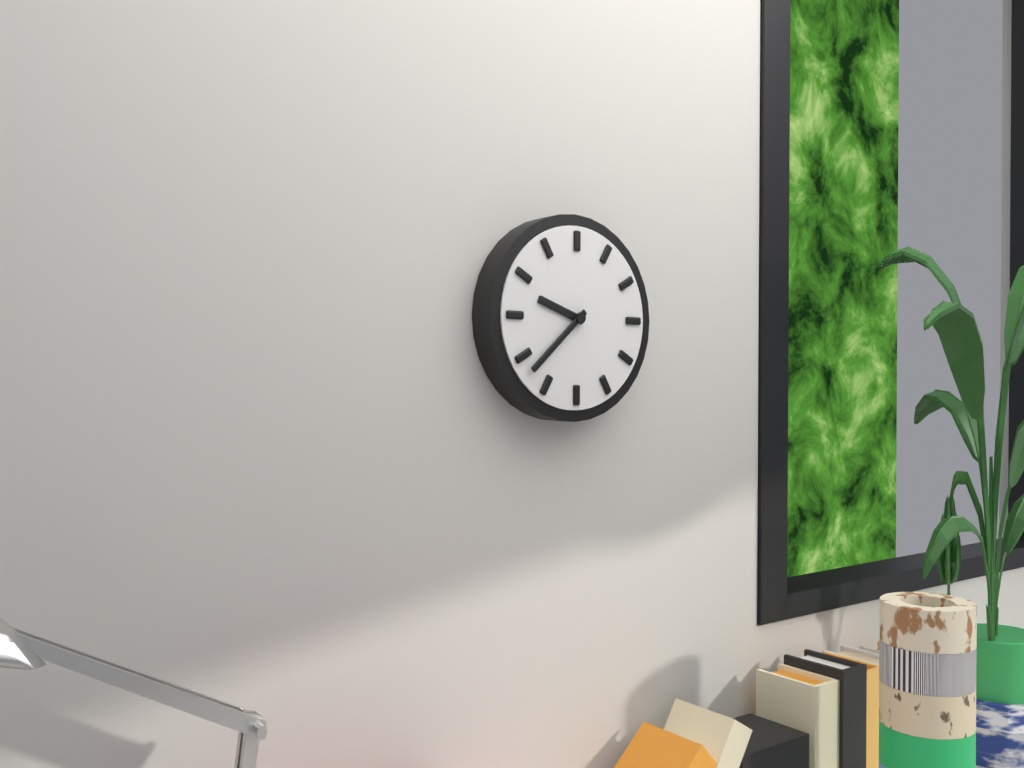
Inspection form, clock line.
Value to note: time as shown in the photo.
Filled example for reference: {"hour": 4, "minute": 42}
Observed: {"hour": 9, "minute": 38}
